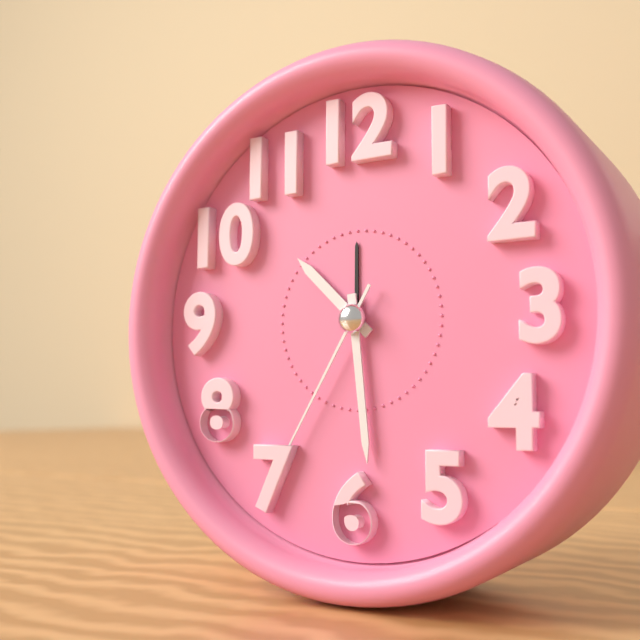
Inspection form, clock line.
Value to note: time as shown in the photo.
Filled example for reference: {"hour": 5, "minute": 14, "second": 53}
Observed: {"hour": 10, "minute": 29, "second": 35}
